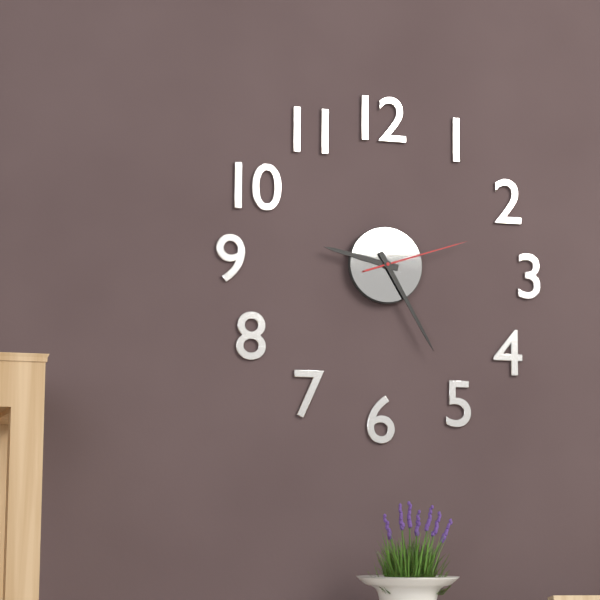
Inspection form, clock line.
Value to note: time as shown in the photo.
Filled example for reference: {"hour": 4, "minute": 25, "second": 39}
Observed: {"hour": 9, "minute": 25, "second": 12}
